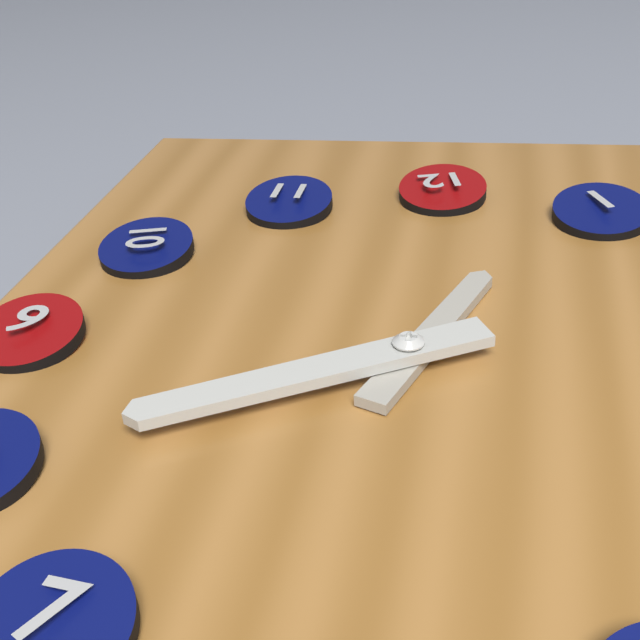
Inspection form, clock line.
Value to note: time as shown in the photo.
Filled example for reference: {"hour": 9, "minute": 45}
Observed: {"hour": 12, "minute": 40}
